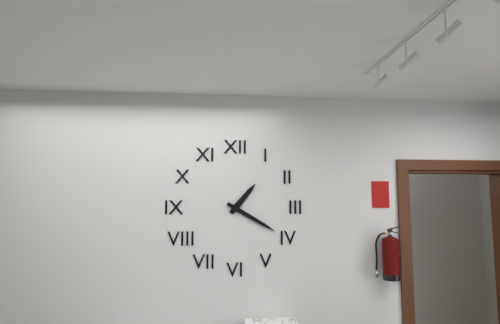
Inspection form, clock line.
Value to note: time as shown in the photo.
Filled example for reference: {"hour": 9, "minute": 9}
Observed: {"hour": 1, "minute": 20}
